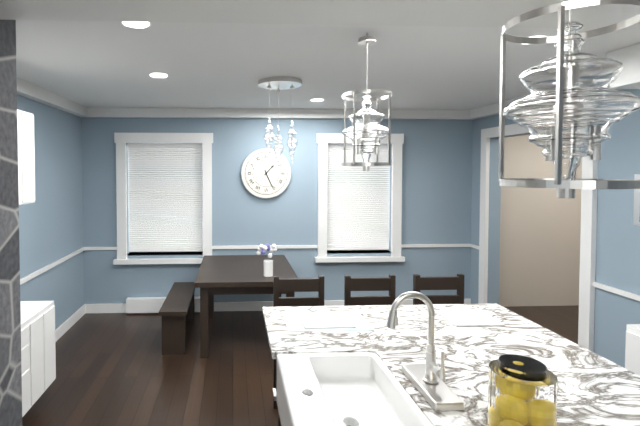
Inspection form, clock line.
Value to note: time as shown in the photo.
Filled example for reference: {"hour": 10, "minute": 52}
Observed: {"hour": 1, "minute": 26}
